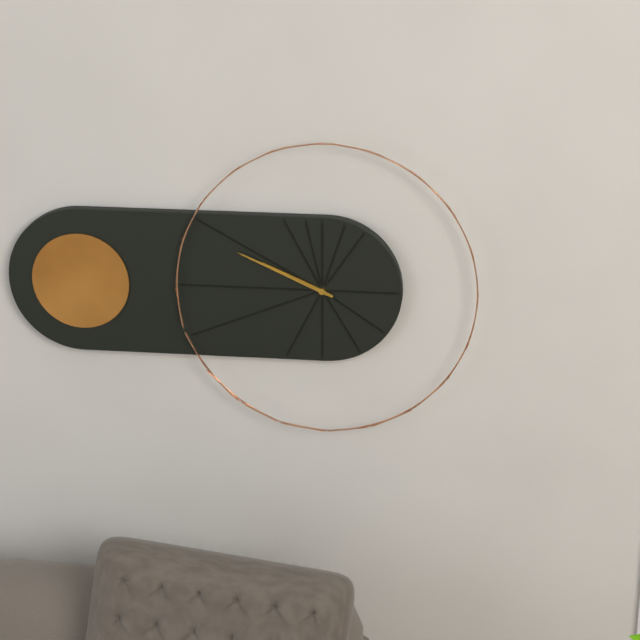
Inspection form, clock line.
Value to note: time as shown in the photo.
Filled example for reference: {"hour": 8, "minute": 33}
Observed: {"hour": 9, "minute": 49}
